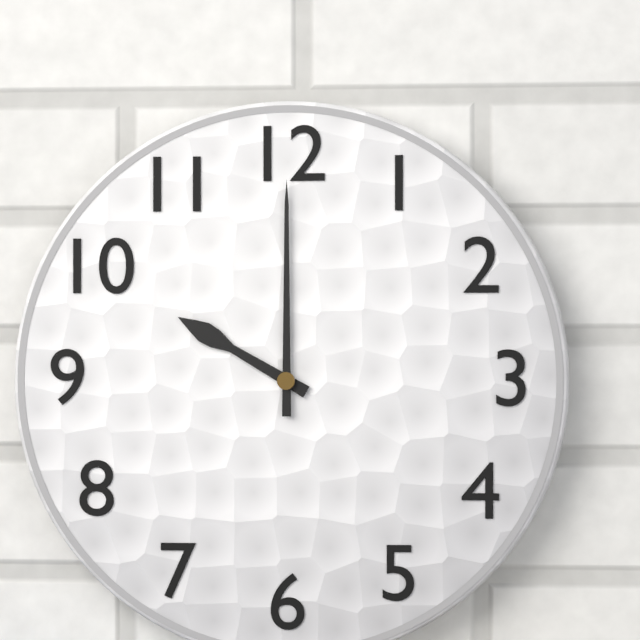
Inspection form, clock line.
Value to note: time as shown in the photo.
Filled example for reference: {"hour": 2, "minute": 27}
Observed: {"hour": 10, "minute": 0}
